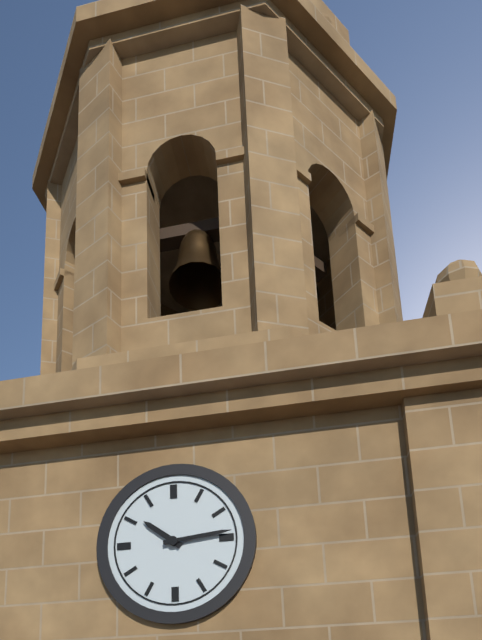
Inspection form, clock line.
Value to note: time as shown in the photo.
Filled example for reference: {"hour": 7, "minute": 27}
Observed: {"hour": 10, "minute": 14}
